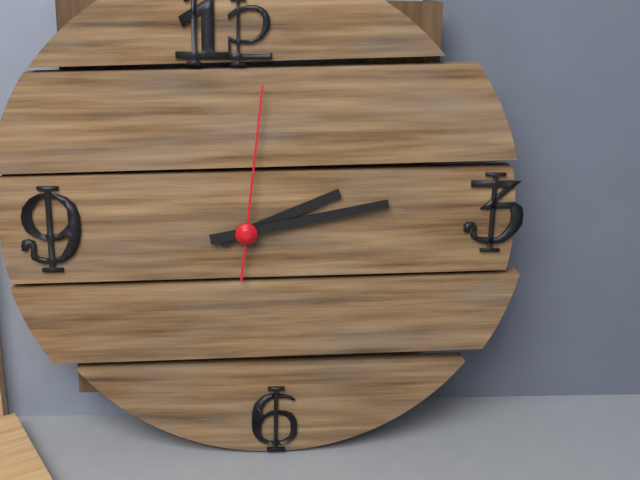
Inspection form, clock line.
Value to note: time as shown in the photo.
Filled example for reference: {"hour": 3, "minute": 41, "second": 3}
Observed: {"hour": 2, "minute": 13, "second": 1}
